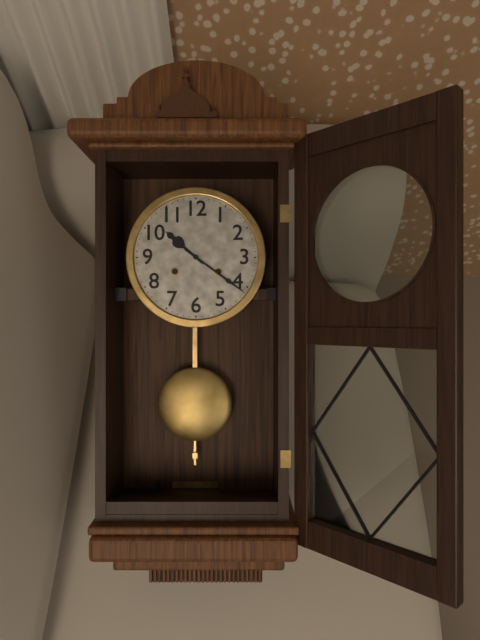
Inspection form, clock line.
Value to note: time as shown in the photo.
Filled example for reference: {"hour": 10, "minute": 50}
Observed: {"hour": 10, "minute": 21}
